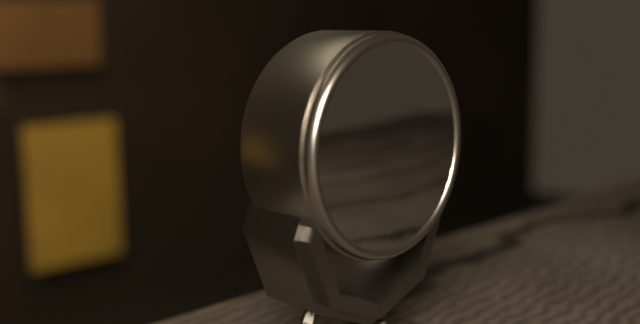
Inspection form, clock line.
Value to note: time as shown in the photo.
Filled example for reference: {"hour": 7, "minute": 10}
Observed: {"hour": 6, "minute": 42}
